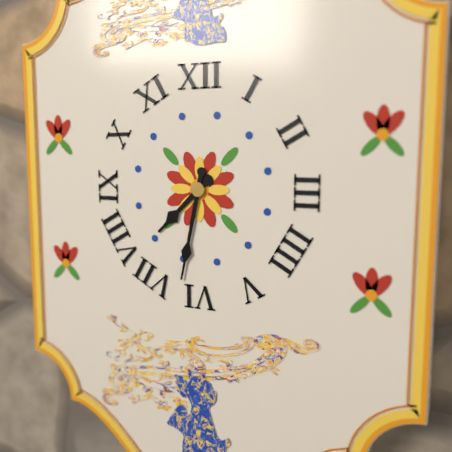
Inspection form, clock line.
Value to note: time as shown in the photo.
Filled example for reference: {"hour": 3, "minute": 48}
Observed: {"hour": 7, "minute": 32}
